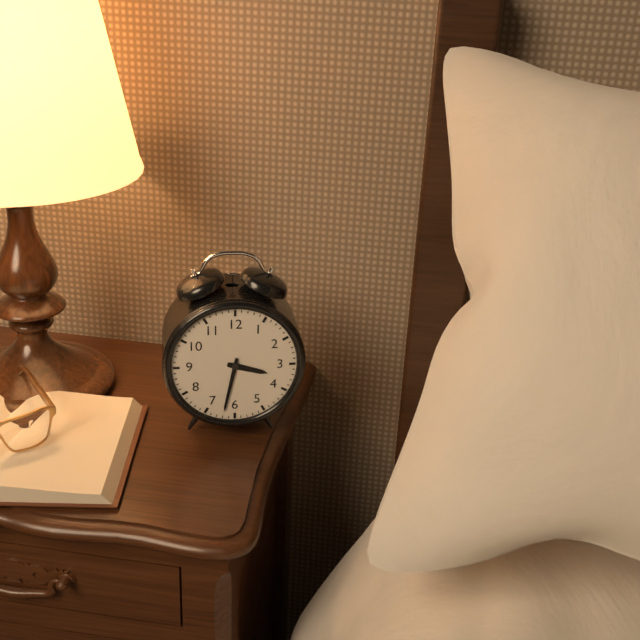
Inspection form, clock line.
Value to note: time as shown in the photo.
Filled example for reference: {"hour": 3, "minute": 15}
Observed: {"hour": 3, "minute": 32}
